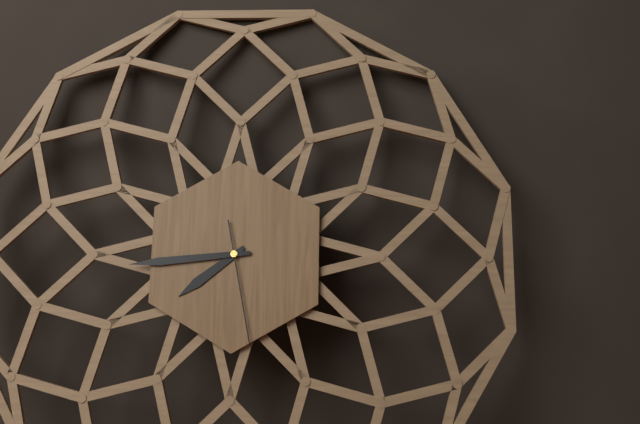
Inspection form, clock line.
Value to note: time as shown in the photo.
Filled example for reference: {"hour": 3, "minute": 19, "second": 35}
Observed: {"hour": 7, "minute": 44, "second": 28}
